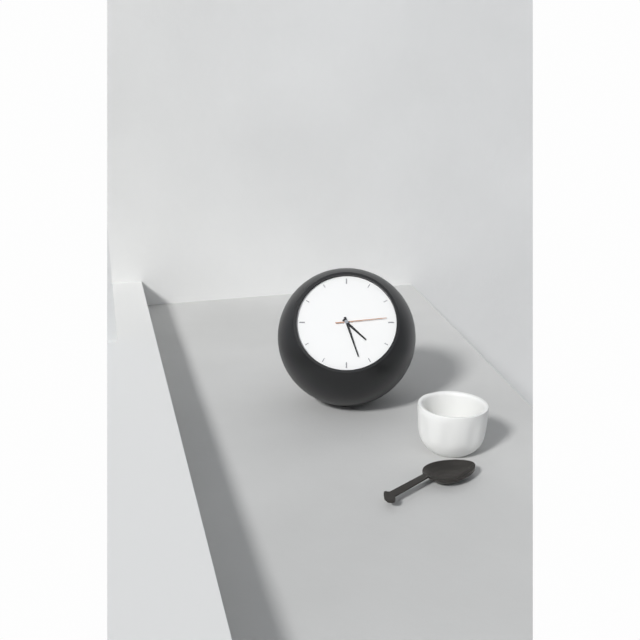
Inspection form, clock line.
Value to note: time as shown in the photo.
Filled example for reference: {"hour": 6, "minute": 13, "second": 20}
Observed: {"hour": 4, "minute": 27, "second": 14}
